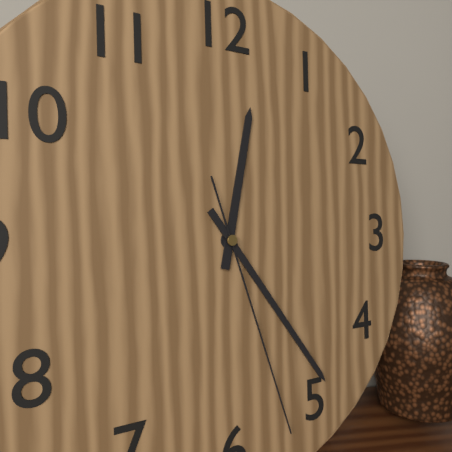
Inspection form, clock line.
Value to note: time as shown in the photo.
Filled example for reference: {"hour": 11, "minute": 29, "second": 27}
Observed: {"hour": 12, "minute": 24, "second": 27}
